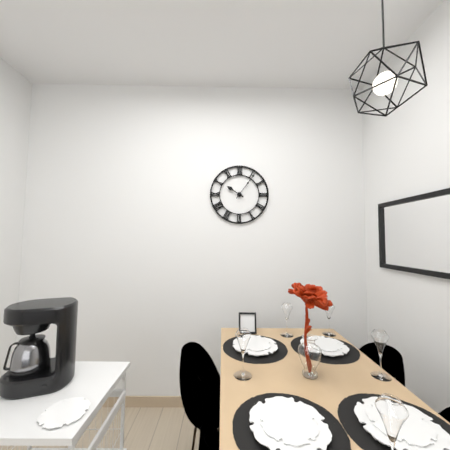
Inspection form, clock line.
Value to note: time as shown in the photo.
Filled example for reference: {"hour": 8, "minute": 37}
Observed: {"hour": 10, "minute": 6}
